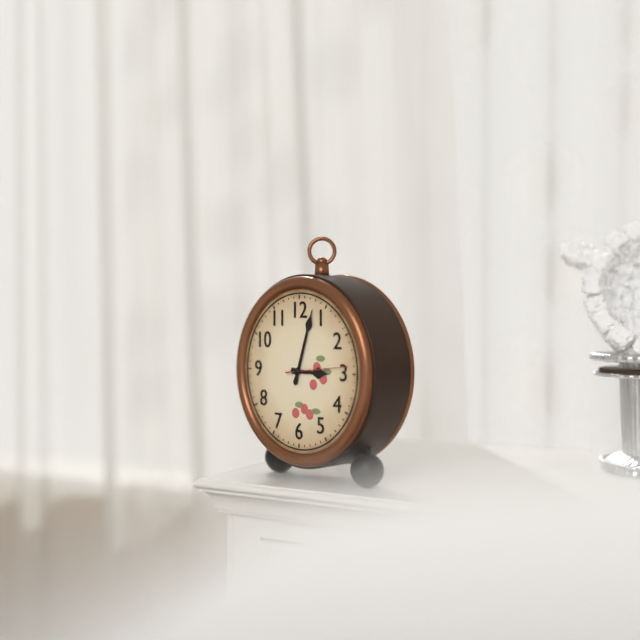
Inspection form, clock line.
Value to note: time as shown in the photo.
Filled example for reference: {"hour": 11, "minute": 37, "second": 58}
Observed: {"hour": 3, "minute": 3, "second": 14}
